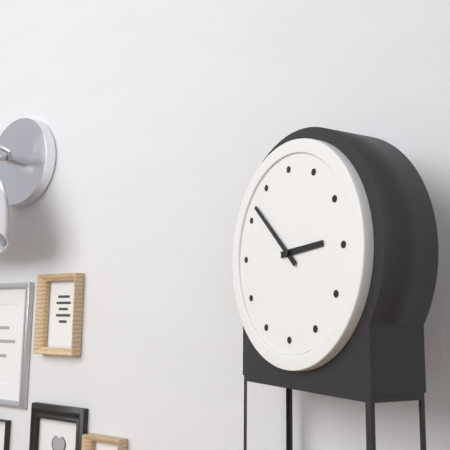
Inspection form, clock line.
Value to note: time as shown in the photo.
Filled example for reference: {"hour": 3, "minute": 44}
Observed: {"hour": 2, "minute": 52}
